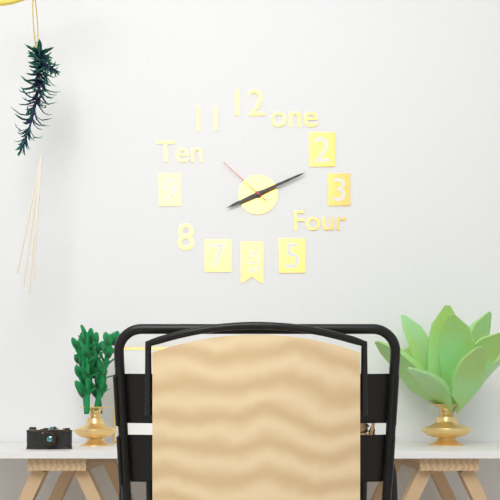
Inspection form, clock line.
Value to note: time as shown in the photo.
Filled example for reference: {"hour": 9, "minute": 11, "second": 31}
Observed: {"hour": 8, "minute": 11, "second": 52}
